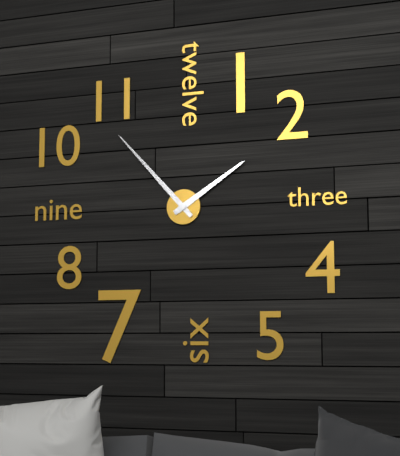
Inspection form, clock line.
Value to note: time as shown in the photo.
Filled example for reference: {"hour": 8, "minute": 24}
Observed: {"hour": 1, "minute": 53}
